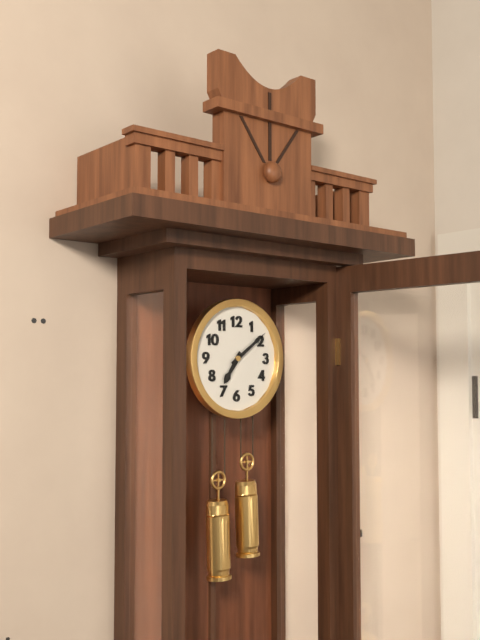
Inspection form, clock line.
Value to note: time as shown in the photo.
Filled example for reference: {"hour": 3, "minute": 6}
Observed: {"hour": 7, "minute": 9}
